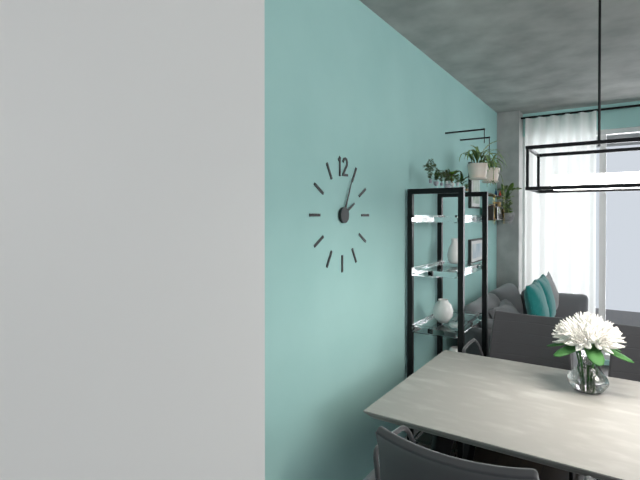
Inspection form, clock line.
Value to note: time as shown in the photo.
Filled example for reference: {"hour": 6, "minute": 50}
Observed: {"hour": 2, "minute": 4}
